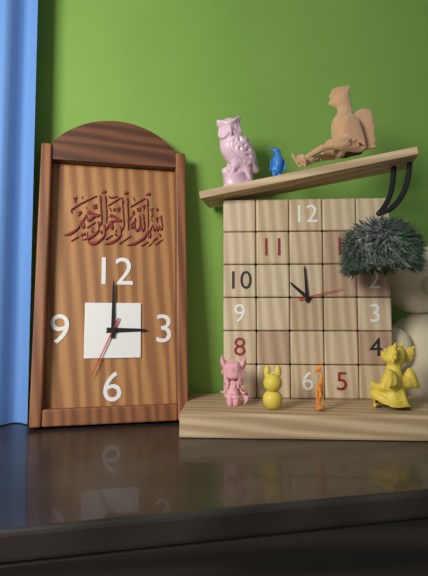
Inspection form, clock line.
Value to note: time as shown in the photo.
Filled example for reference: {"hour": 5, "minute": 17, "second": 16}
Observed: {"hour": 3, "minute": 0, "second": 34}
